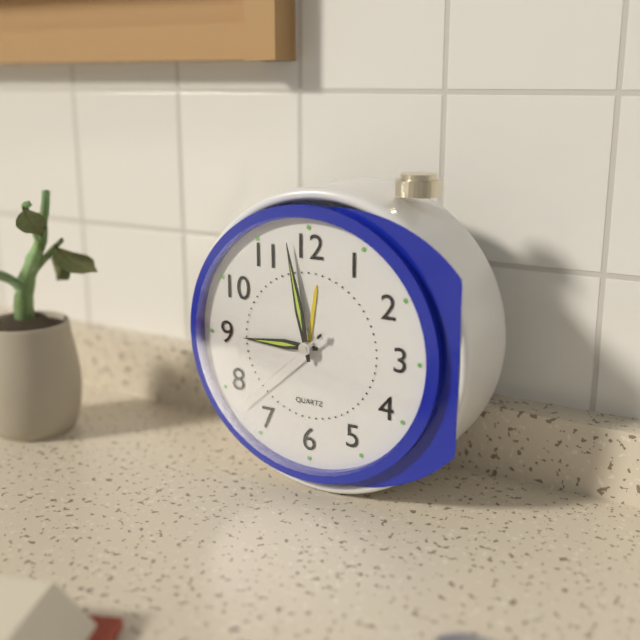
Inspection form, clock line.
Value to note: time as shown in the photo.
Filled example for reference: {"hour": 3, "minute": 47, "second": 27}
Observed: {"hour": 8, "minute": 58, "second": 38}
